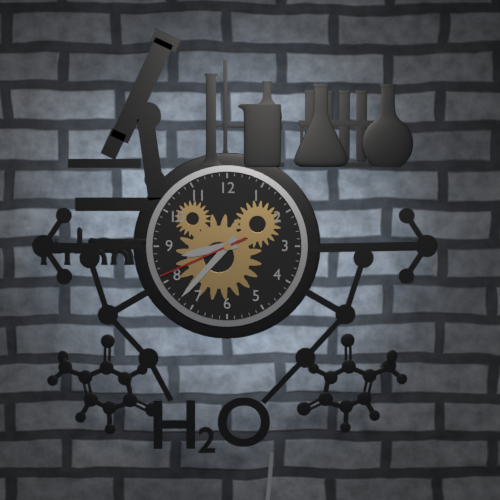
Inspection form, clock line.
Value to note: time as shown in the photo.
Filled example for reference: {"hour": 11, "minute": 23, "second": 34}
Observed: {"hour": 8, "minute": 37, "second": 41}
